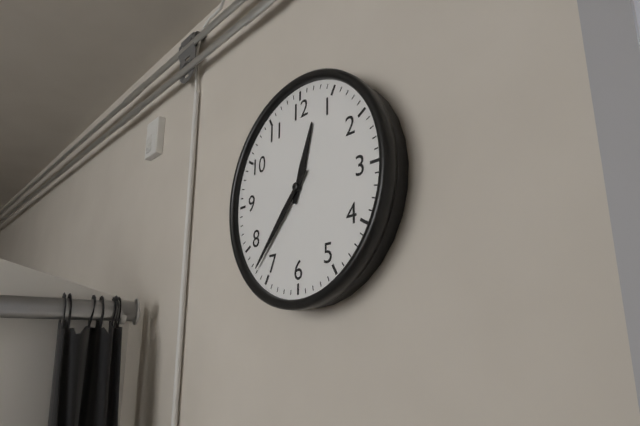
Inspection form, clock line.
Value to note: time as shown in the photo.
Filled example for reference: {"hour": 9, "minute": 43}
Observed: {"hour": 12, "minute": 37}
